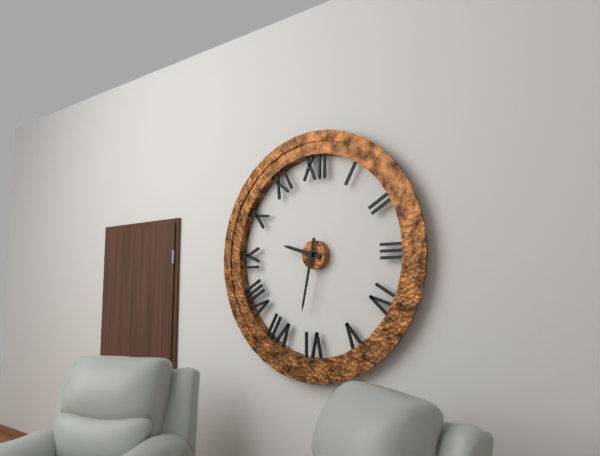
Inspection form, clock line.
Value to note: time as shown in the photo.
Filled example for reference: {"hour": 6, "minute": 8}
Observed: {"hour": 9, "minute": 32}
